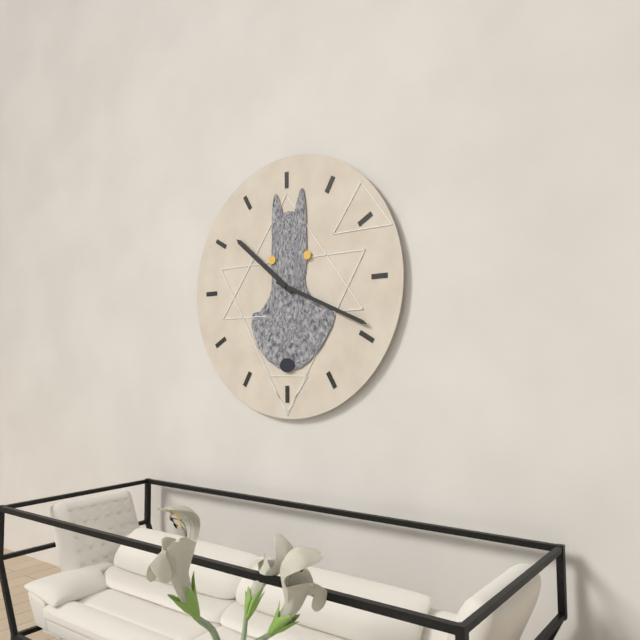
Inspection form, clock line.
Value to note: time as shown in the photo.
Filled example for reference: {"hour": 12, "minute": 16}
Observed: {"hour": 10, "minute": 19}
